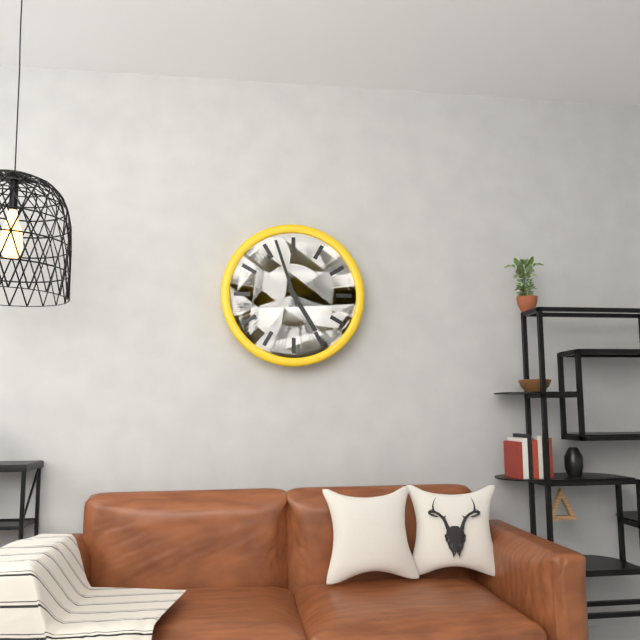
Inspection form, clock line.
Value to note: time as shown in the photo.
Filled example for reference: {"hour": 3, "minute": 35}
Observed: {"hour": 4, "minute": 57}
